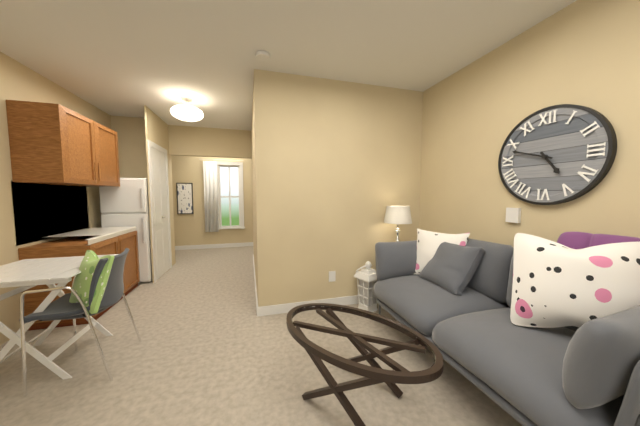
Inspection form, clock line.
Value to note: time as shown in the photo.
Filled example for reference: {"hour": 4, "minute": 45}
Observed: {"hour": 4, "minute": 48}
